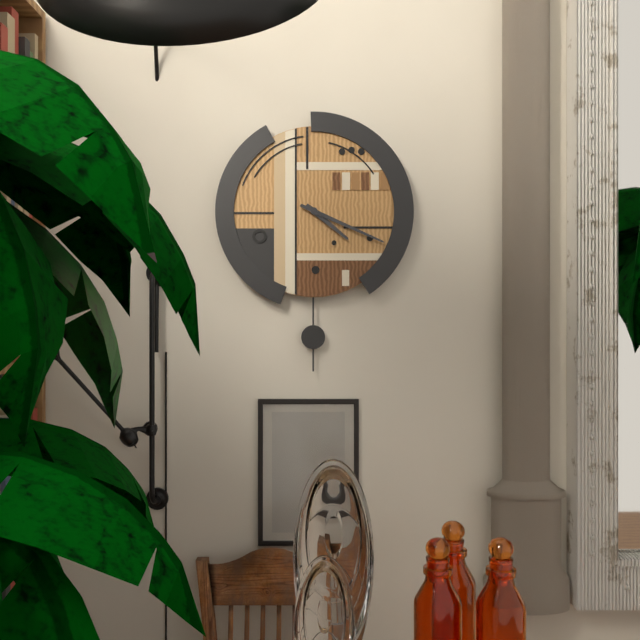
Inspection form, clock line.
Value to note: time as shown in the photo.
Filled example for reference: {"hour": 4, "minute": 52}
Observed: {"hour": 4, "minute": 19}
